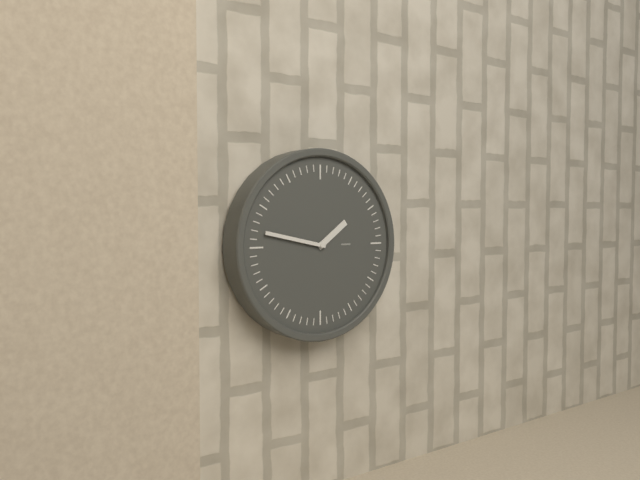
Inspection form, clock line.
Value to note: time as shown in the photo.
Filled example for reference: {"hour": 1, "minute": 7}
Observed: {"hour": 1, "minute": 47}
